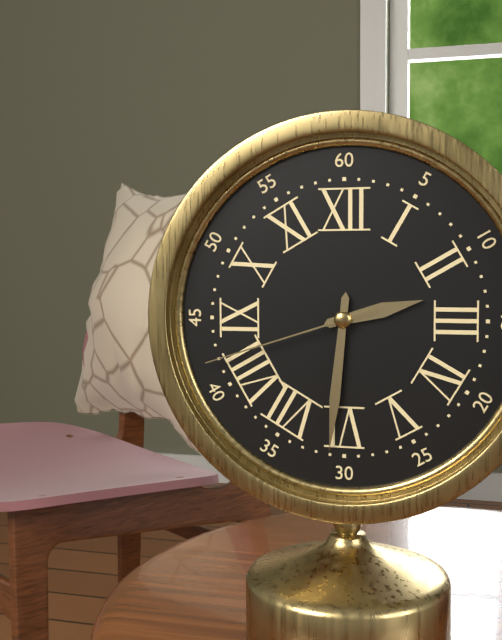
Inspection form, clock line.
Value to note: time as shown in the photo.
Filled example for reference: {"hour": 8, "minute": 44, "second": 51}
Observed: {"hour": 2, "minute": 31, "second": 42}
